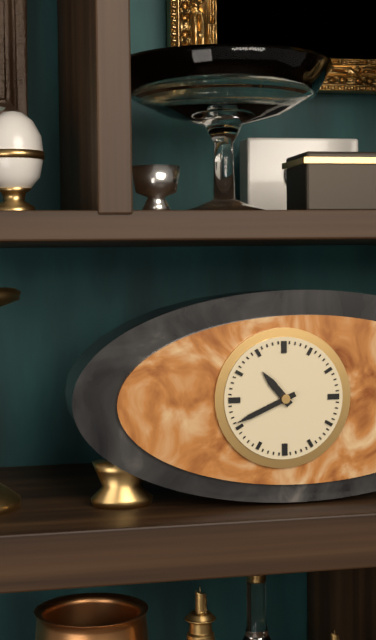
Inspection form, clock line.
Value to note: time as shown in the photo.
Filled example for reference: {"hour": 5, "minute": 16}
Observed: {"hour": 10, "minute": 41}
